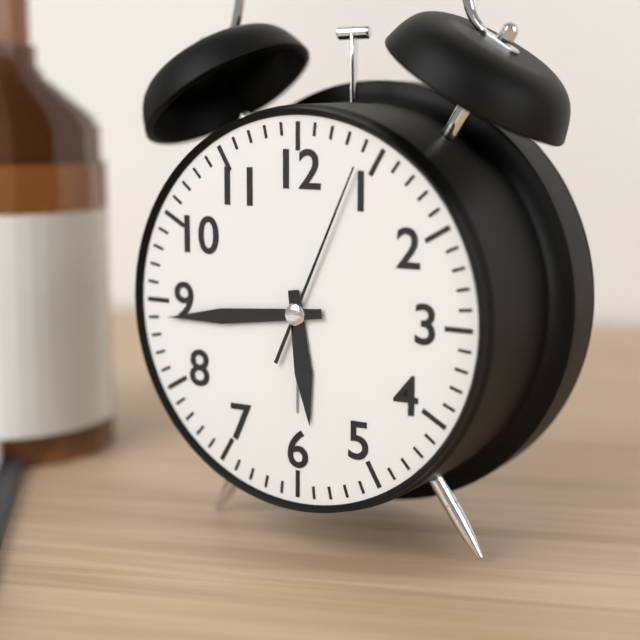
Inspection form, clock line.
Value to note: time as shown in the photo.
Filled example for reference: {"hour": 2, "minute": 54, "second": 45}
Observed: {"hour": 5, "minute": 44, "second": 4}
